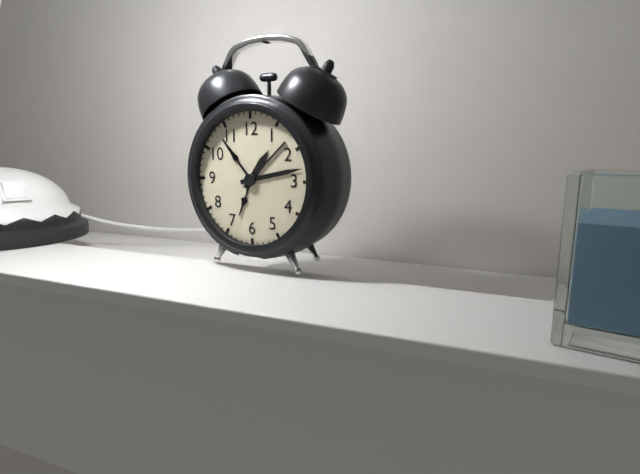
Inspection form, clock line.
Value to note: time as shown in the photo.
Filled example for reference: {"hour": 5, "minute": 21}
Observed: {"hour": 1, "minute": 13}
